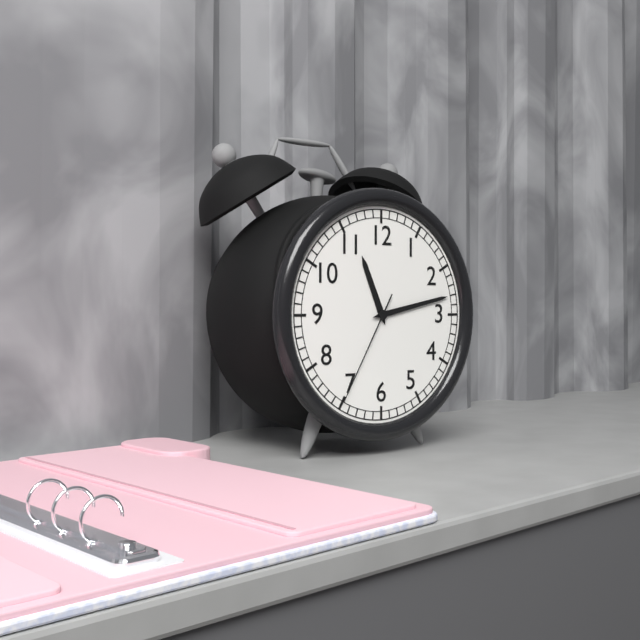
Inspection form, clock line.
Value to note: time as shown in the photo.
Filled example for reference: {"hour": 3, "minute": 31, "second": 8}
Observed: {"hour": 11, "minute": 13, "second": 35}
